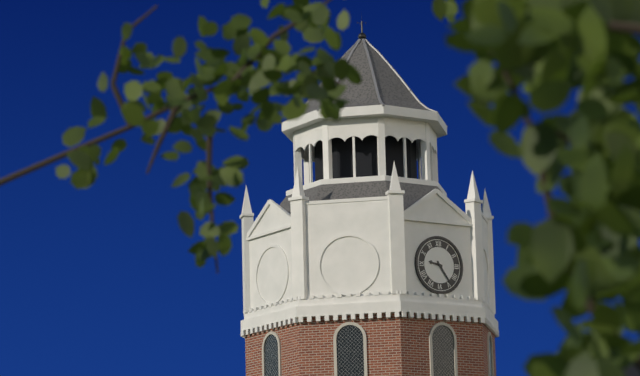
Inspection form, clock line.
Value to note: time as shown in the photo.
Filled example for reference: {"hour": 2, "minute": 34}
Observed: {"hour": 9, "minute": 24}
